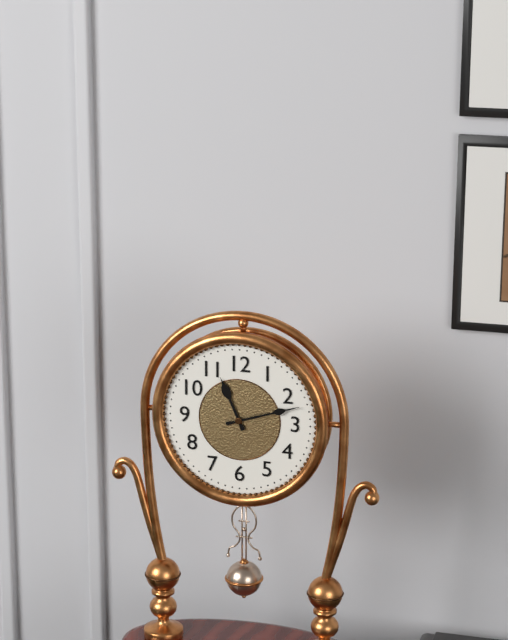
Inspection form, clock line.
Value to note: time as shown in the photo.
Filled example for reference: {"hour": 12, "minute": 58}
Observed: {"hour": 11, "minute": 12}
